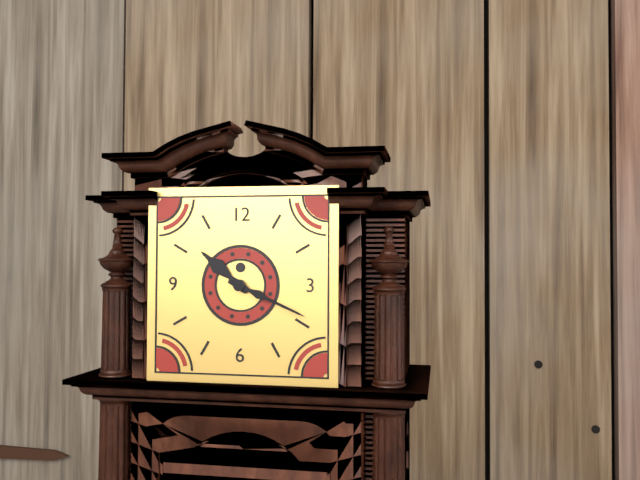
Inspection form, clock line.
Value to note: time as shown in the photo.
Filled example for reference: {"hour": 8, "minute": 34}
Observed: {"hour": 10, "minute": 19}
